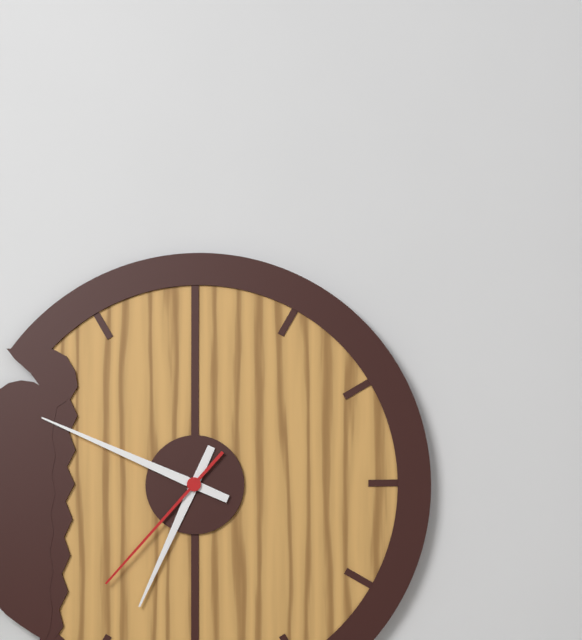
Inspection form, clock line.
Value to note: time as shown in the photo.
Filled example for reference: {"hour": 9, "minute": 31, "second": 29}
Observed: {"hour": 6, "minute": 49, "second": 37}
